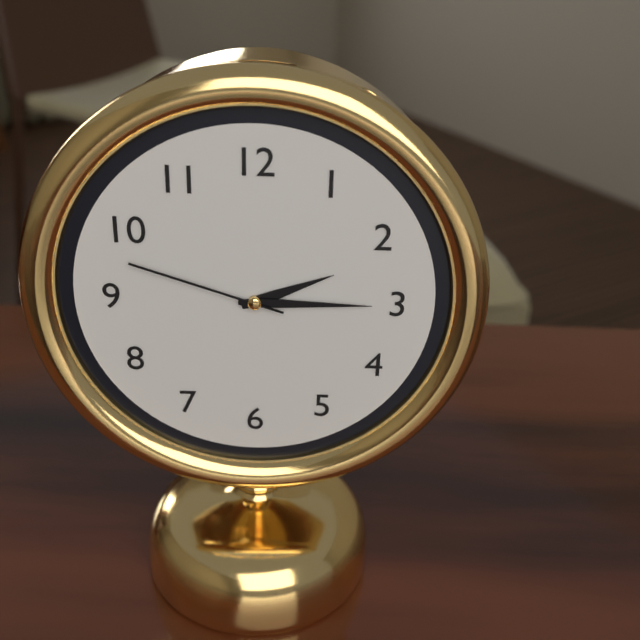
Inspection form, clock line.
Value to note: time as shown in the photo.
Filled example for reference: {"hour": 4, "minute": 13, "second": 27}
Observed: {"hour": 2, "minute": 15, "second": 48}
